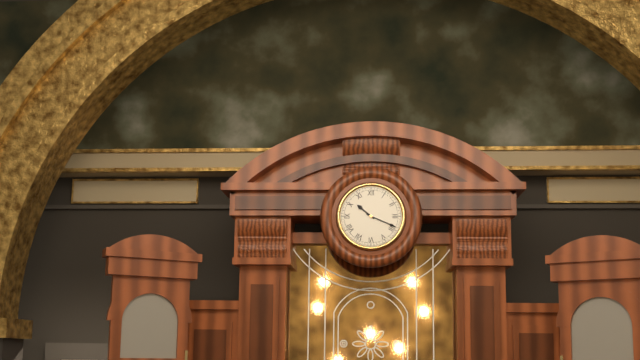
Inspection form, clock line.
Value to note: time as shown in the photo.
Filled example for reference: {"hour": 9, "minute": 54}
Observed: {"hour": 10, "minute": 19}
